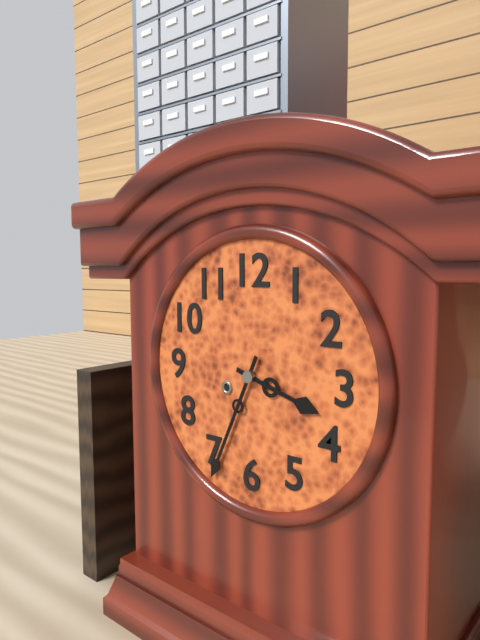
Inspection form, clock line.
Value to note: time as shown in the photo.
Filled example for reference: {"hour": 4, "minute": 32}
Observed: {"hour": 3, "minute": 34}
